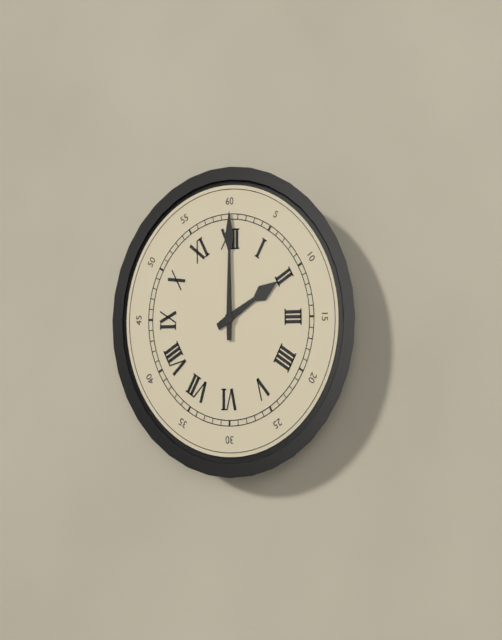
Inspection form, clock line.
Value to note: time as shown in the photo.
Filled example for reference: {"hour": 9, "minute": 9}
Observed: {"hour": 2, "minute": 0}
